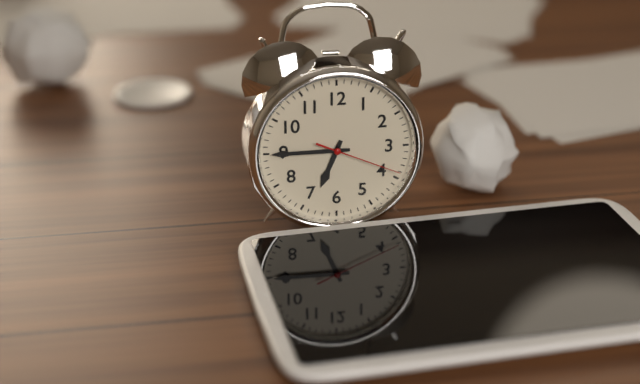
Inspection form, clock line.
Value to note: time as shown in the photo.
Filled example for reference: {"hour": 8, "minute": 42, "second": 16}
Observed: {"hour": 6, "minute": 45, "second": 19}
